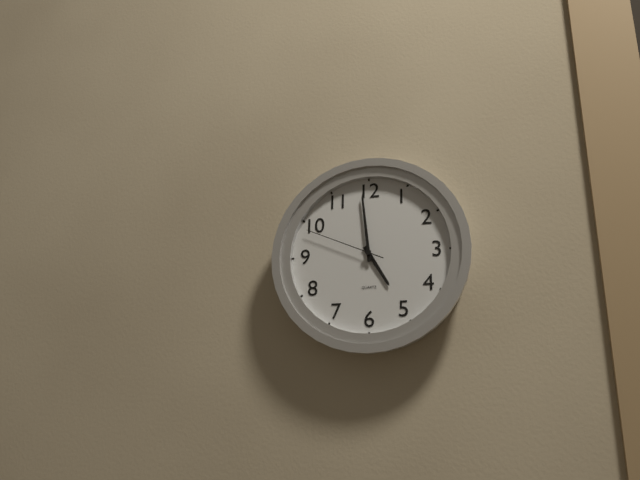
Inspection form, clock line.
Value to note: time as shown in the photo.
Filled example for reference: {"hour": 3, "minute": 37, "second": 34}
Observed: {"hour": 4, "minute": 59, "second": 49}
